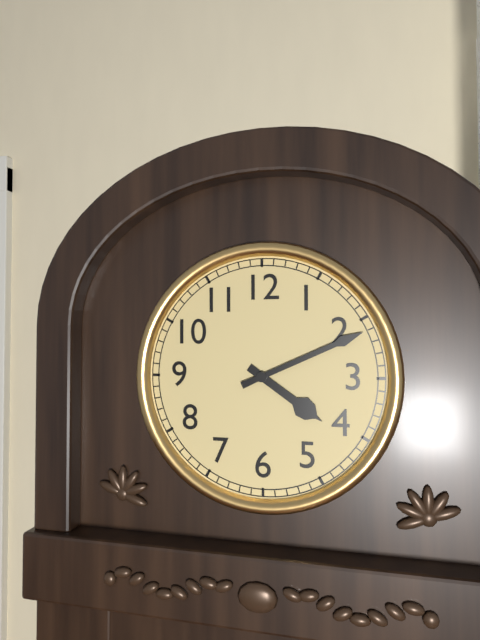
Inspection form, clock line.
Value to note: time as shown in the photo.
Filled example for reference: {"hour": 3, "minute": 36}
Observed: {"hour": 4, "minute": 11}
